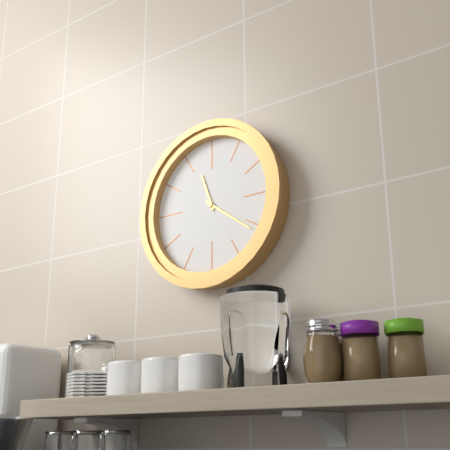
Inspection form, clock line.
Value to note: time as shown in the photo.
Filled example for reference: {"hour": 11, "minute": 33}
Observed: {"hour": 11, "minute": 21}
